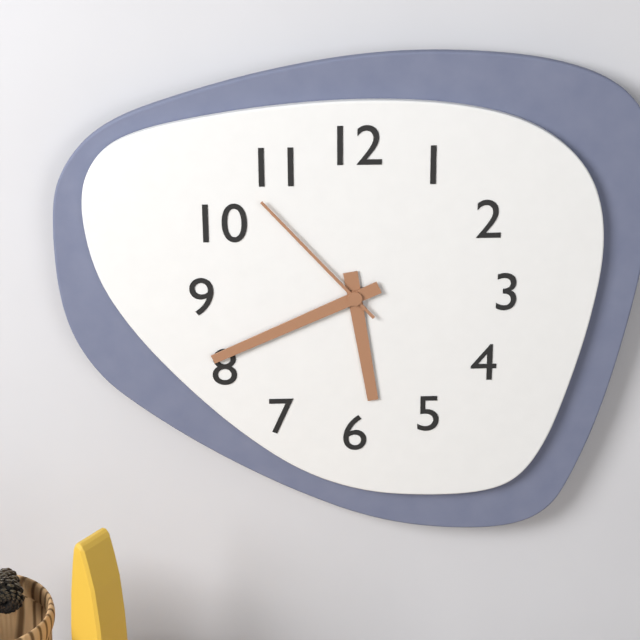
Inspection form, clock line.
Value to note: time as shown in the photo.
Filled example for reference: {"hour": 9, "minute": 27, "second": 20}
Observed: {"hour": 5, "minute": 41, "second": 53}
